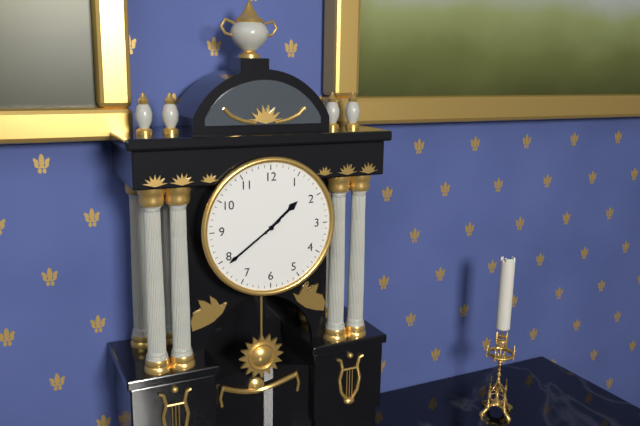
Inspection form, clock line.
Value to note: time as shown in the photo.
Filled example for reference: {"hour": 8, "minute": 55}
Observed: {"hour": 1, "minute": 39}
